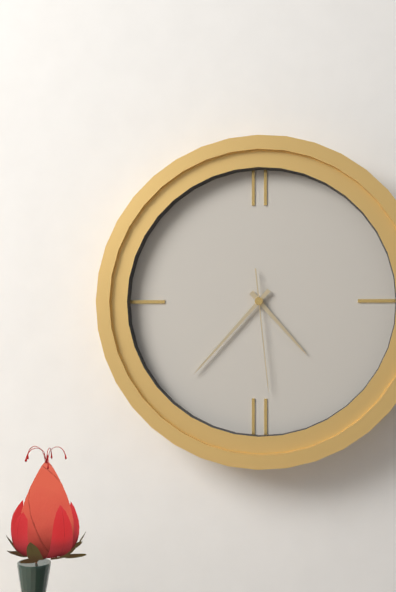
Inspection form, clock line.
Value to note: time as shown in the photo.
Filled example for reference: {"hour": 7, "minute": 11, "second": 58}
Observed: {"hour": 4, "minute": 37, "second": 29}
